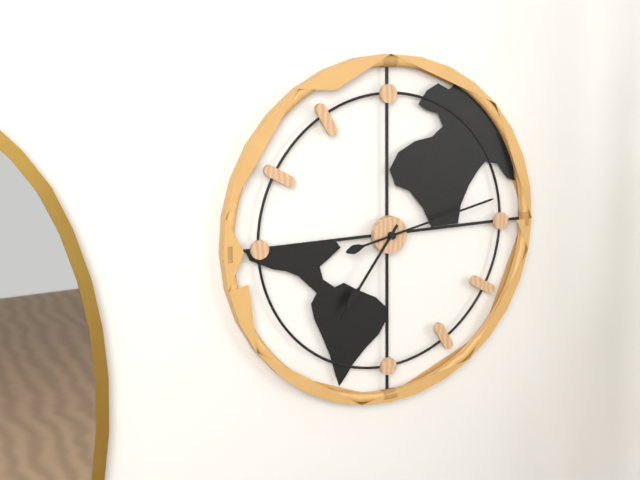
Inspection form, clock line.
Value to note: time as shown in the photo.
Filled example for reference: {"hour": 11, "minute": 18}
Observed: {"hour": 7, "minute": 13}
